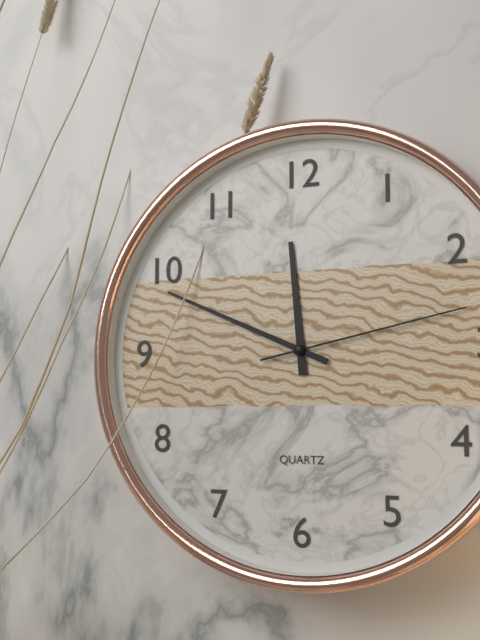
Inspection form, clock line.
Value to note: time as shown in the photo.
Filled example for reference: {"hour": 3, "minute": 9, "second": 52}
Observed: {"hour": 11, "minute": 49, "second": 13}
